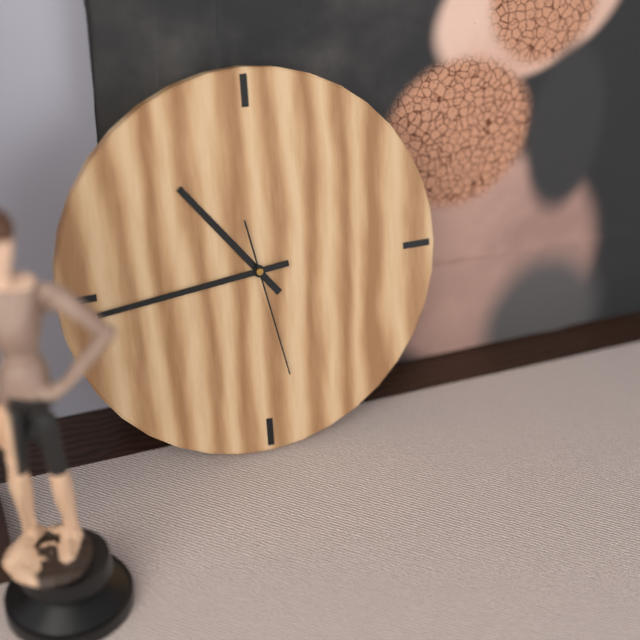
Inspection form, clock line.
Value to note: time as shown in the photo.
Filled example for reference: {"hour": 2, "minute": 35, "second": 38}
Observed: {"hour": 10, "minute": 44, "second": 28}
